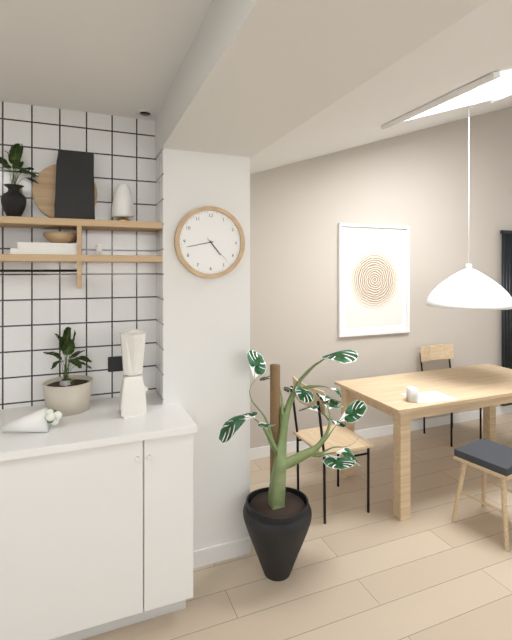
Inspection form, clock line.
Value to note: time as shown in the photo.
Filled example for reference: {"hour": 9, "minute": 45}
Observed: {"hour": 4, "minute": 43}
